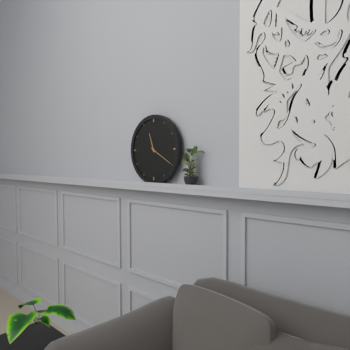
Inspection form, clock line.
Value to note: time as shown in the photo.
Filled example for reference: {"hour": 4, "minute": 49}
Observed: {"hour": 11, "minute": 20}
